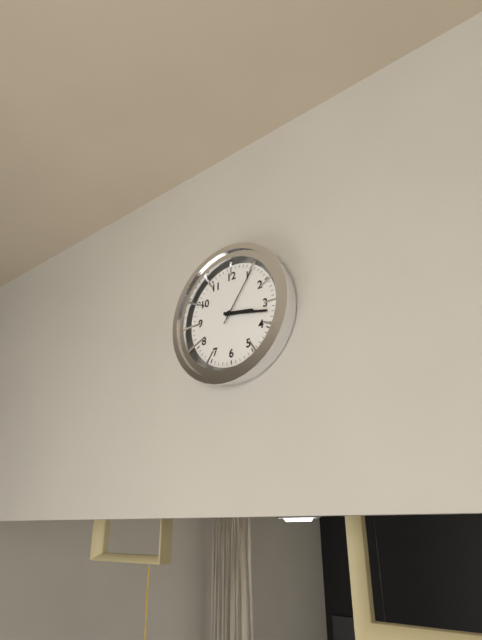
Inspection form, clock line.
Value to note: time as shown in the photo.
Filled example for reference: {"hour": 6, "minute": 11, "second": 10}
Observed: {"hour": 3, "minute": 17, "second": 6}
